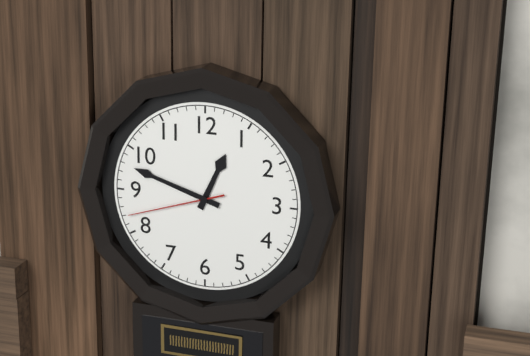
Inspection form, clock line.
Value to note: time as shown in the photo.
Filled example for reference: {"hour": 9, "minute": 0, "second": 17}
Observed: {"hour": 12, "minute": 48, "second": 42}
